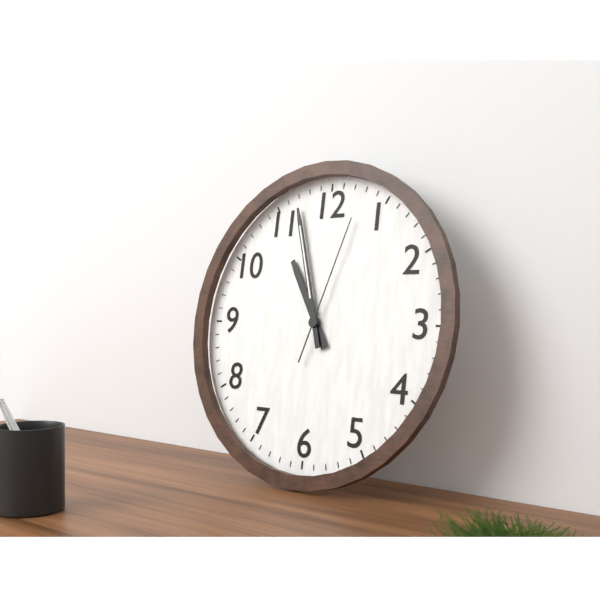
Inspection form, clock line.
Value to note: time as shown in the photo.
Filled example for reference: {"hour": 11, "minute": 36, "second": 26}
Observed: {"hour": 10, "minute": 57, "second": 3}
